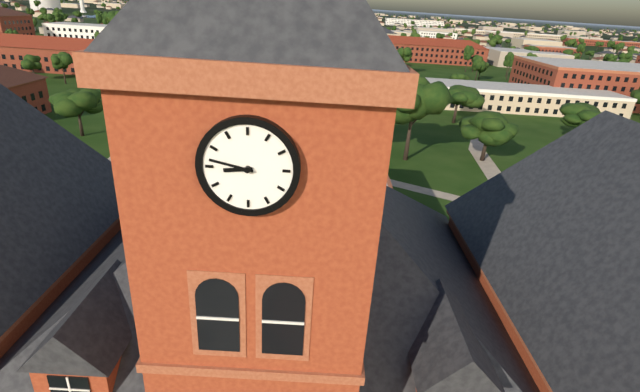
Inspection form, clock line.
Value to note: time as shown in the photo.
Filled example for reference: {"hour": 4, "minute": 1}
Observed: {"hour": 8, "minute": 47}
